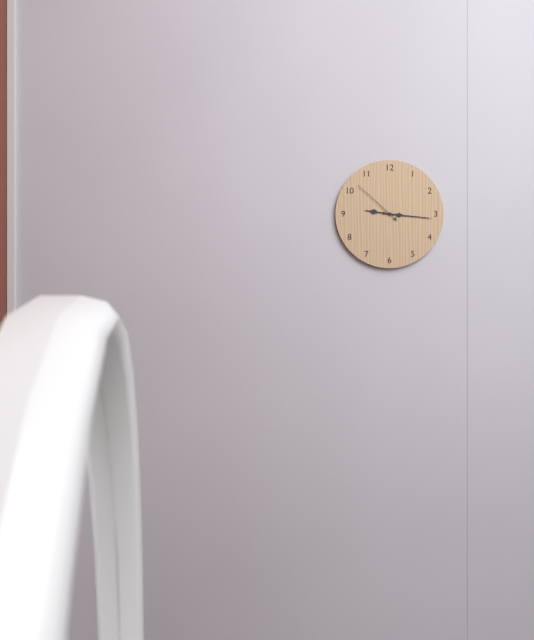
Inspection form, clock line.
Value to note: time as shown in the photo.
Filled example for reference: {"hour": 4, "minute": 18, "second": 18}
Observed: {"hour": 9, "minute": 16, "second": 52}
